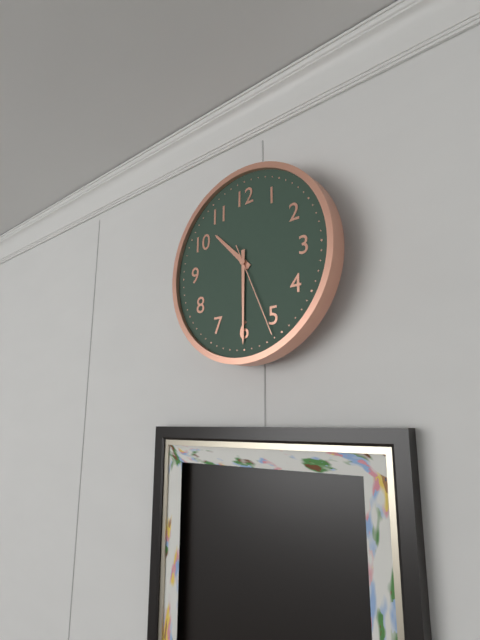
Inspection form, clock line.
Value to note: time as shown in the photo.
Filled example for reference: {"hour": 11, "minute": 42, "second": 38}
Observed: {"hour": 10, "minute": 30, "second": 26}
